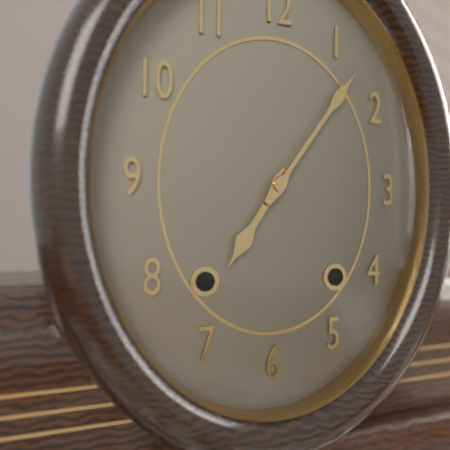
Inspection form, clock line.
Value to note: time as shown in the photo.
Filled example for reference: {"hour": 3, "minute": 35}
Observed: {"hour": 7, "minute": 6}
